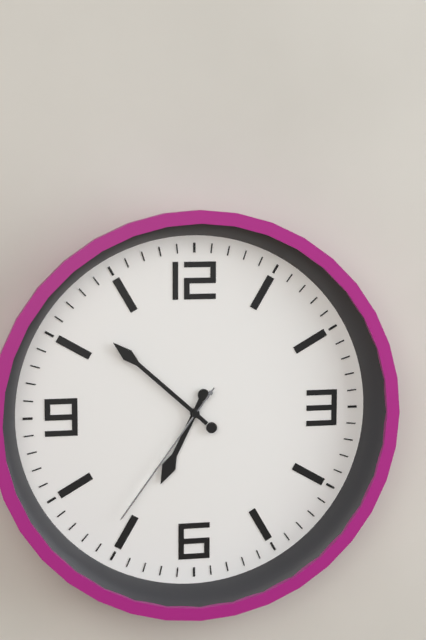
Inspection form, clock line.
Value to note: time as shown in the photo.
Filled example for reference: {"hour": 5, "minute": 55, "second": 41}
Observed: {"hour": 6, "minute": 52, "second": 36}
